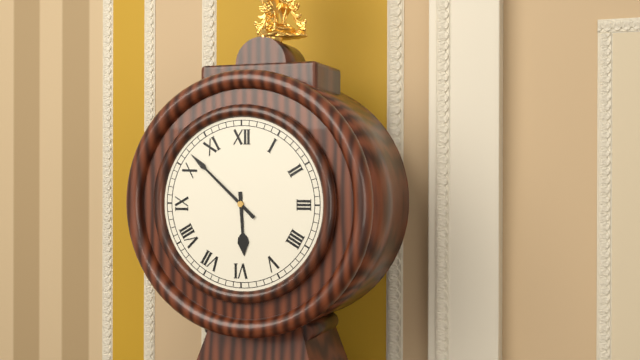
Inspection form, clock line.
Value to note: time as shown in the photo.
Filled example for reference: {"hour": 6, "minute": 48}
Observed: {"hour": 5, "minute": 52}
